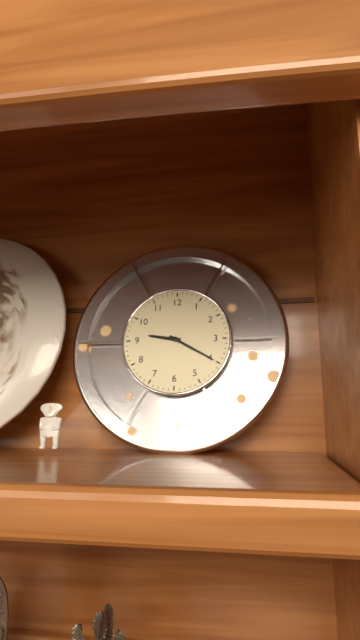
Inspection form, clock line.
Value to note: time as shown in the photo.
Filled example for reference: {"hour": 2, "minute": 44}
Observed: {"hour": 9, "minute": 20}
